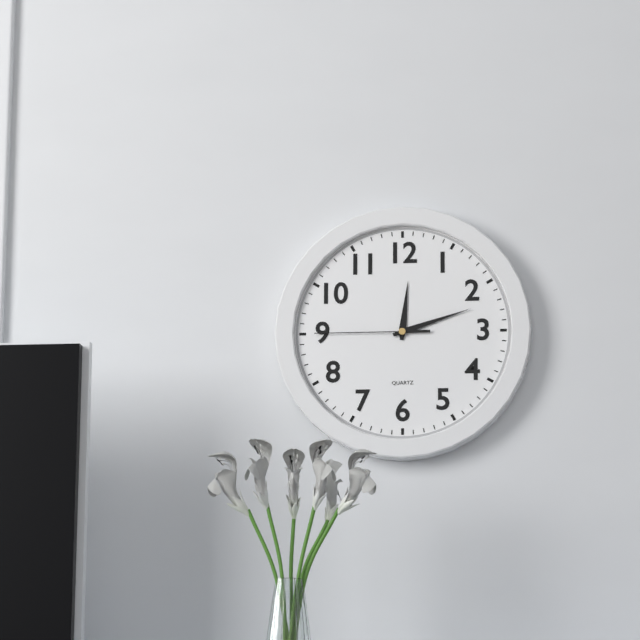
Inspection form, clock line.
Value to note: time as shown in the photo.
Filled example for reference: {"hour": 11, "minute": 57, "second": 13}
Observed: {"hour": 12, "minute": 12, "second": 45}
